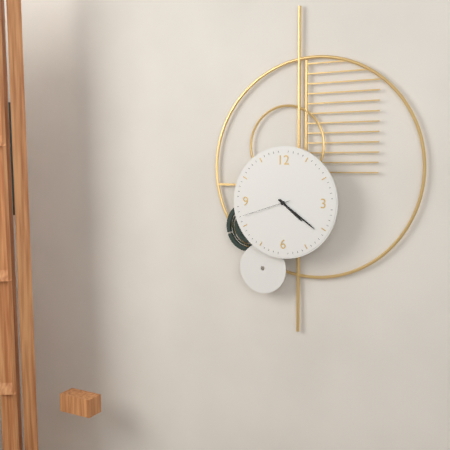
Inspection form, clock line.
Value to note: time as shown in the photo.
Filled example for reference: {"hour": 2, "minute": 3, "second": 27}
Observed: {"hour": 4, "minute": 21, "second": 42}
